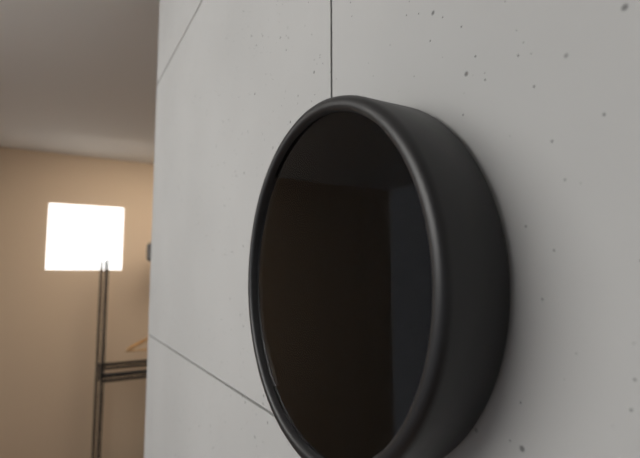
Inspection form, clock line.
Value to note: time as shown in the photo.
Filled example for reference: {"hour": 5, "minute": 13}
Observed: {"hour": 4, "minute": 40}
